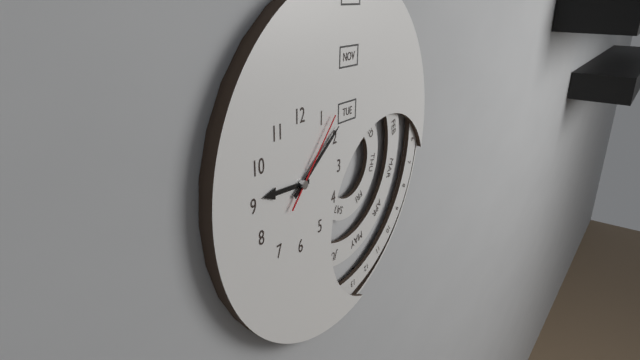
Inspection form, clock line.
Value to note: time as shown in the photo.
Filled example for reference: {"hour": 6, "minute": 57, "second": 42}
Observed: {"hour": 9, "minute": 9, "second": 7}
